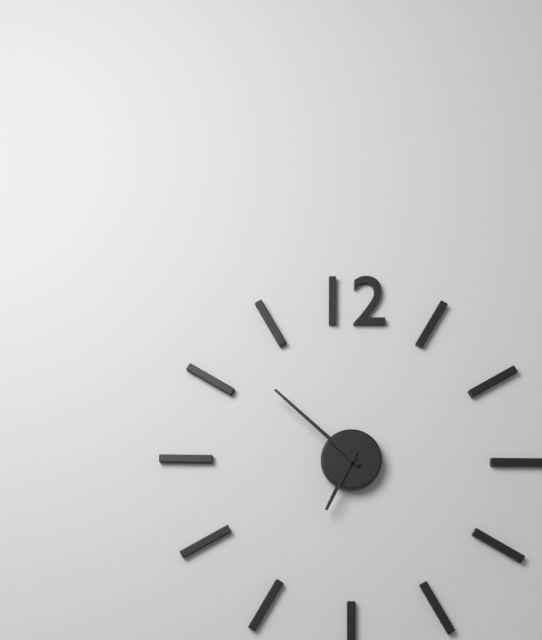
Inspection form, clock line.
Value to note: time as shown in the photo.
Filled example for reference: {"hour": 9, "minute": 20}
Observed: {"hour": 6, "minute": 52}
